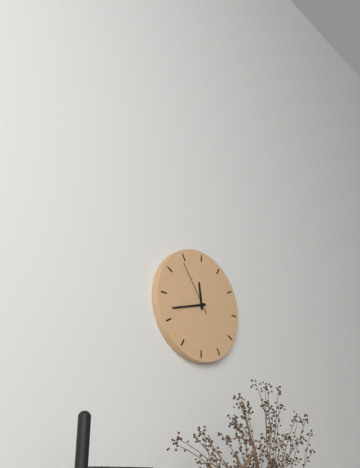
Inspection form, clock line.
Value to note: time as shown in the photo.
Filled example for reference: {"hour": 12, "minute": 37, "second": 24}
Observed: {"hour": 11, "minute": 42, "second": 54}
